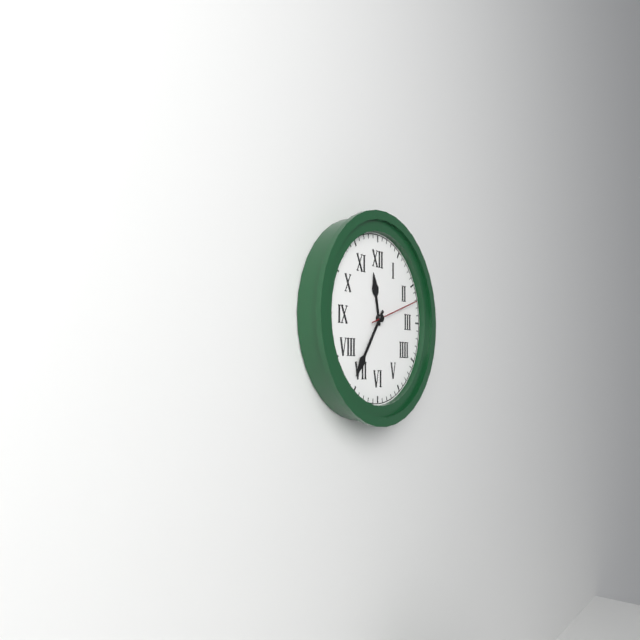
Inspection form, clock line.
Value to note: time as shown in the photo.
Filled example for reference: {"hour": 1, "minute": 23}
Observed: {"hour": 11, "minute": 36}
